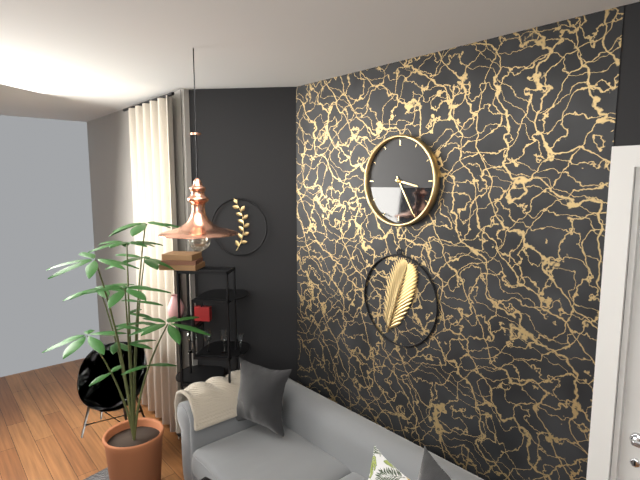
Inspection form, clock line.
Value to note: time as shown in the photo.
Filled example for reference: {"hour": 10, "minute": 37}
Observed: {"hour": 3, "minute": 25}
